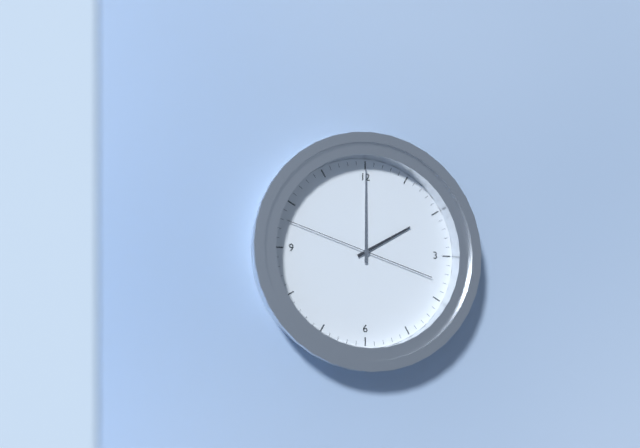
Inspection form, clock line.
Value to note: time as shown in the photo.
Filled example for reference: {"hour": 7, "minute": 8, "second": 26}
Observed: {"hour": 2, "minute": 0, "second": 48}
